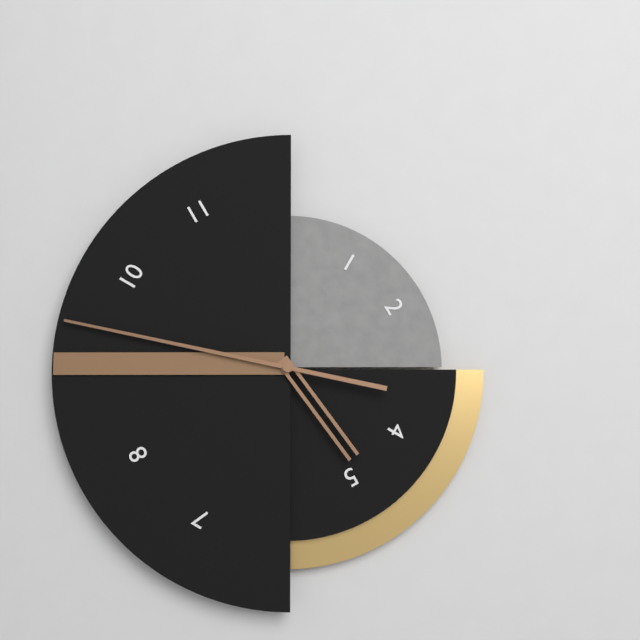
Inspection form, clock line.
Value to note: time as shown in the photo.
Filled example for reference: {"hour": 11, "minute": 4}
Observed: {"hour": 4, "minute": 47}
